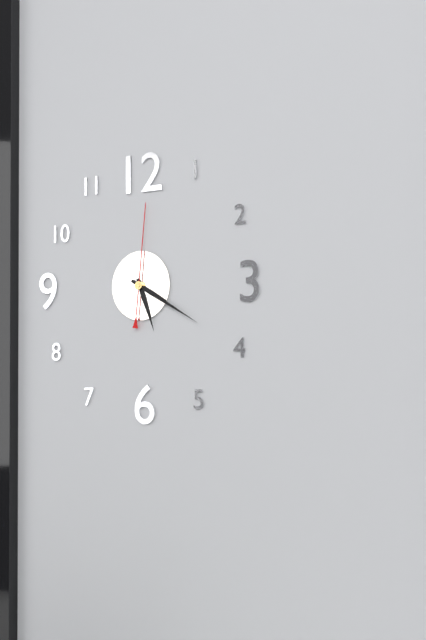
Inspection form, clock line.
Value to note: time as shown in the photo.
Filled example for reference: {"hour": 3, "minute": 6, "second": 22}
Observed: {"hour": 5, "minute": 20, "second": 1}
